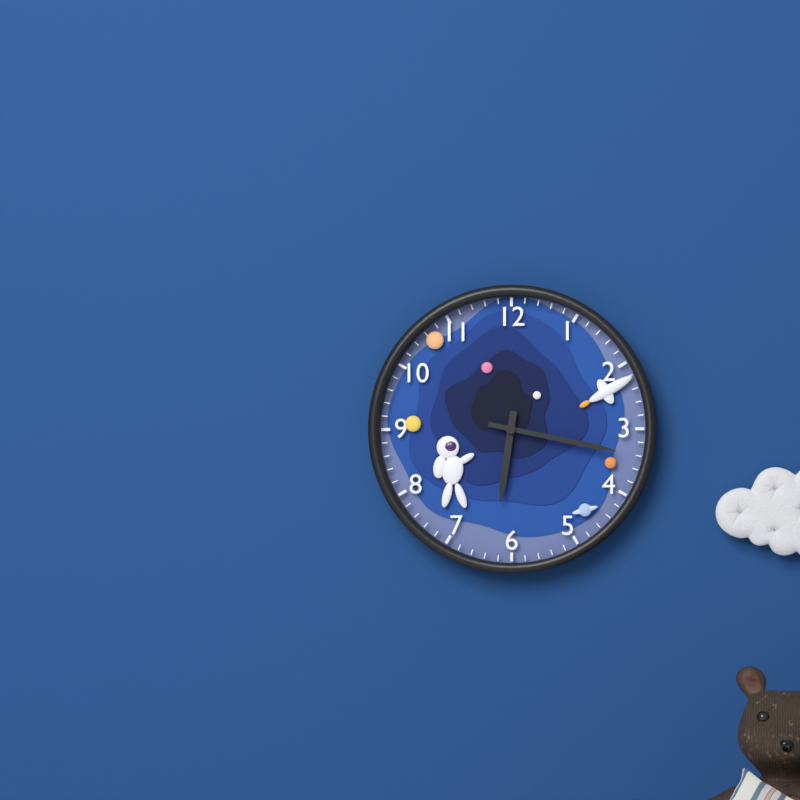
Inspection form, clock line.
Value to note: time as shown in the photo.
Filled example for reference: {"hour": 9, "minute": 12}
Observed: {"hour": 6, "minute": 17}
